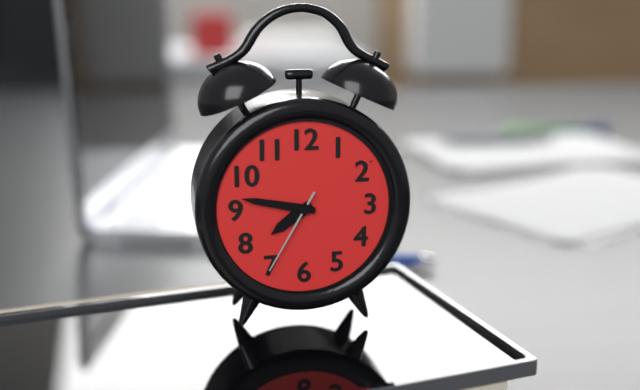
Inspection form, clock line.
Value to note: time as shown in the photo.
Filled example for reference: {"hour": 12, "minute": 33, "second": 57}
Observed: {"hour": 7, "minute": 47, "second": 35}
